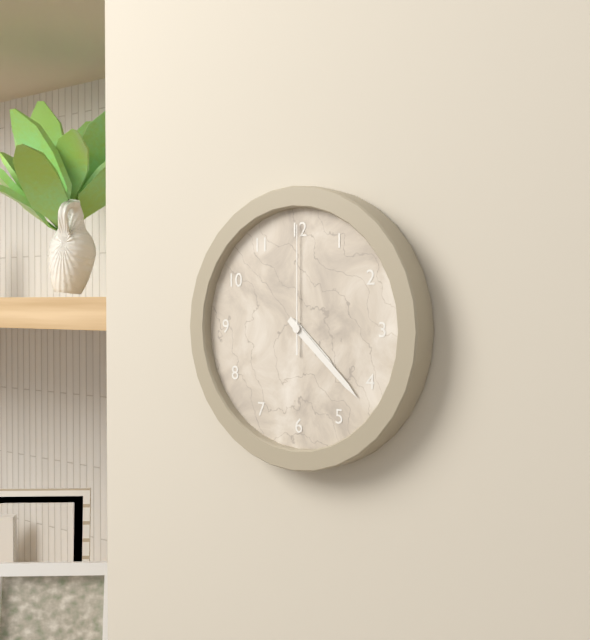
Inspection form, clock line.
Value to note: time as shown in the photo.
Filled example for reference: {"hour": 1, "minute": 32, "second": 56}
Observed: {"hour": 4, "minute": 22, "second": 0}
